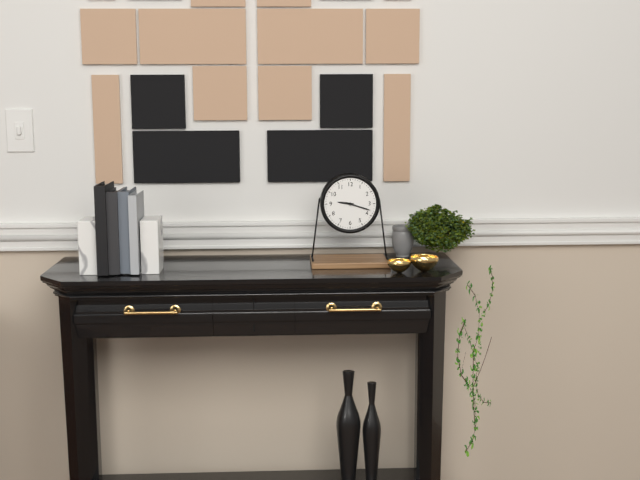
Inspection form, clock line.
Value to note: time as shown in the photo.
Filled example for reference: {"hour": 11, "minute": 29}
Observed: {"hour": 9, "minute": 18}
